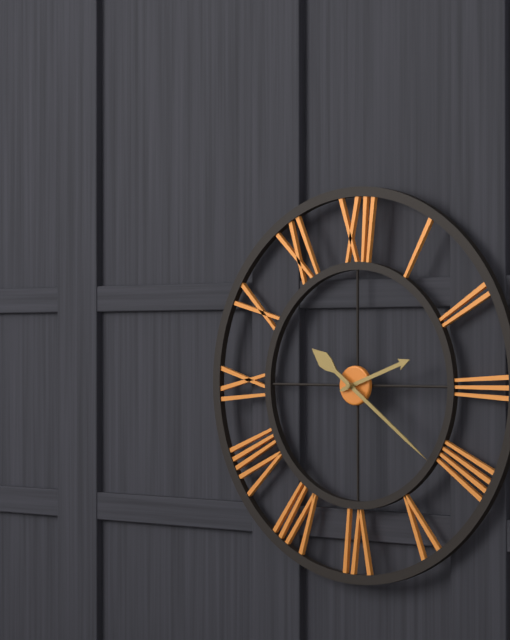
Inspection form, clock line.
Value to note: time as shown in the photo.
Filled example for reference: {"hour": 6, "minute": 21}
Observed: {"hour": 2, "minute": 21}
